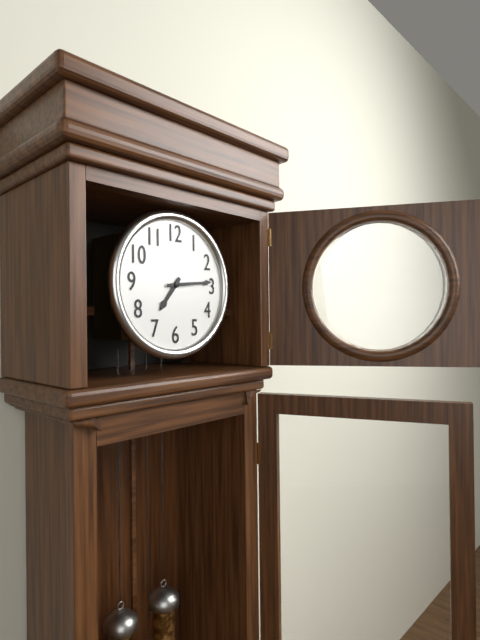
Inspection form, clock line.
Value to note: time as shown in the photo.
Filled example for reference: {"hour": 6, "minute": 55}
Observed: {"hour": 7, "minute": 14}
